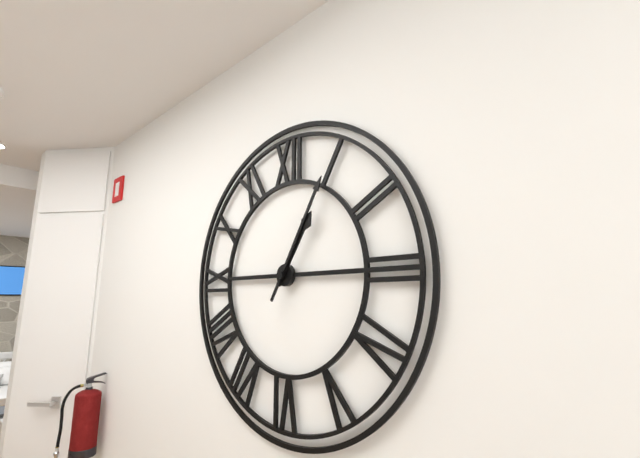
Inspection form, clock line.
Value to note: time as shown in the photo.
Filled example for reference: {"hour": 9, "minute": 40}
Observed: {"hour": 1, "minute": 5}
